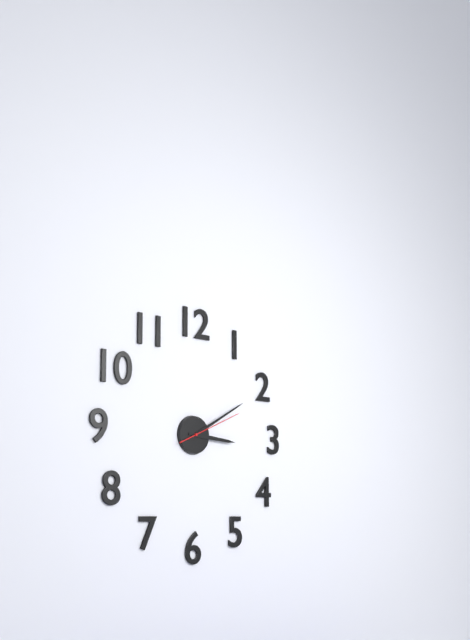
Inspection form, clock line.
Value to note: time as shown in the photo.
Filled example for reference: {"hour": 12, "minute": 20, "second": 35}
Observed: {"hour": 3, "minute": 10, "second": 11}
